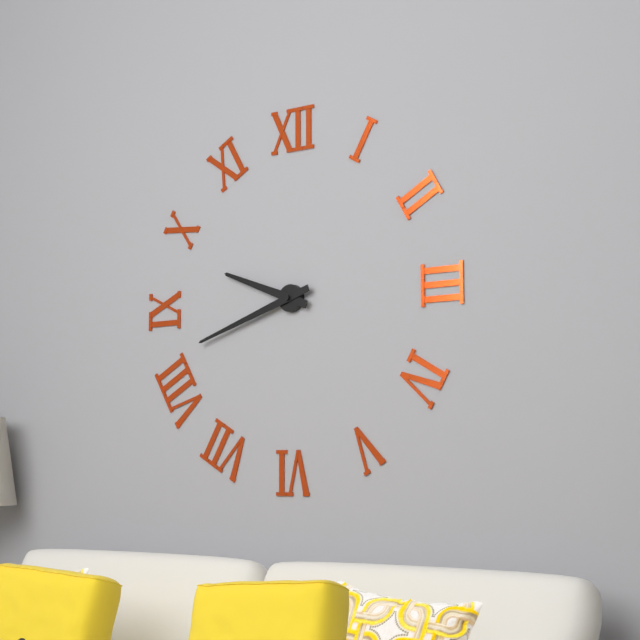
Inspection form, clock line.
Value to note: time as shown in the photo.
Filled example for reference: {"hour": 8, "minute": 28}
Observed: {"hour": 9, "minute": 42}
